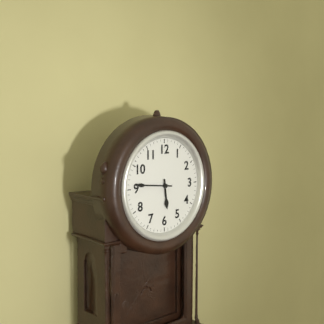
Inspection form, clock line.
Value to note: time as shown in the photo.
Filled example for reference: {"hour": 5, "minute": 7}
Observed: {"hour": 5, "minute": 46}
